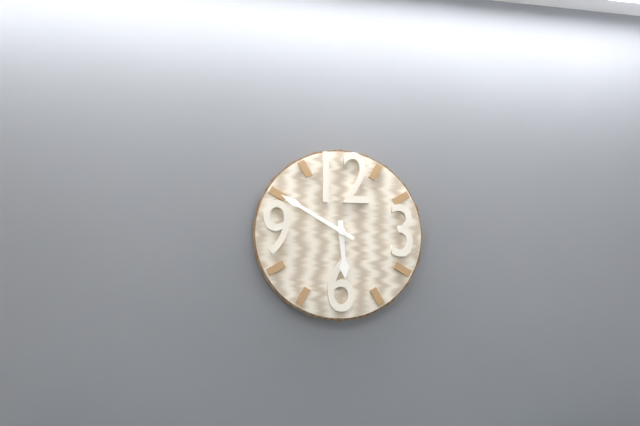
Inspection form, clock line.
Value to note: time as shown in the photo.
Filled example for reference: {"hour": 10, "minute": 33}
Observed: {"hour": 5, "minute": 50}
